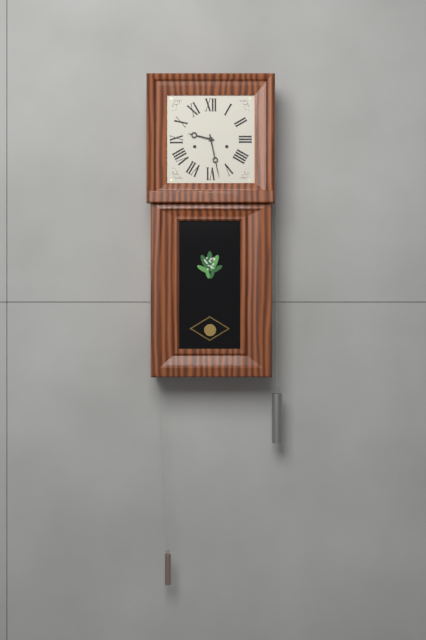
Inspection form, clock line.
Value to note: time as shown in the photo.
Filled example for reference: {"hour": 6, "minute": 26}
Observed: {"hour": 9, "minute": 28}
